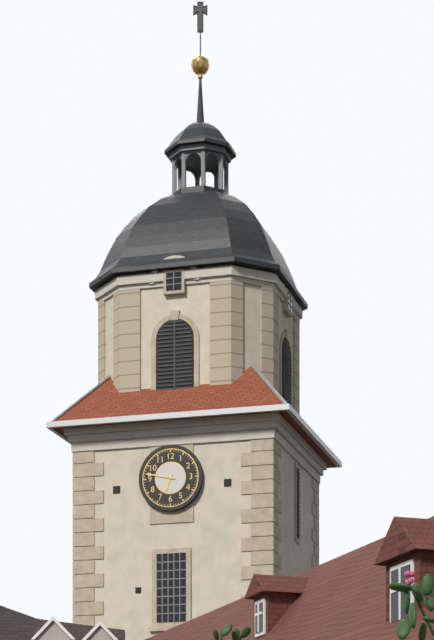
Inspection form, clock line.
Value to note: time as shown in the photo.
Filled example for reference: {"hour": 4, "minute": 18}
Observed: {"hour": 6, "minute": 47}
